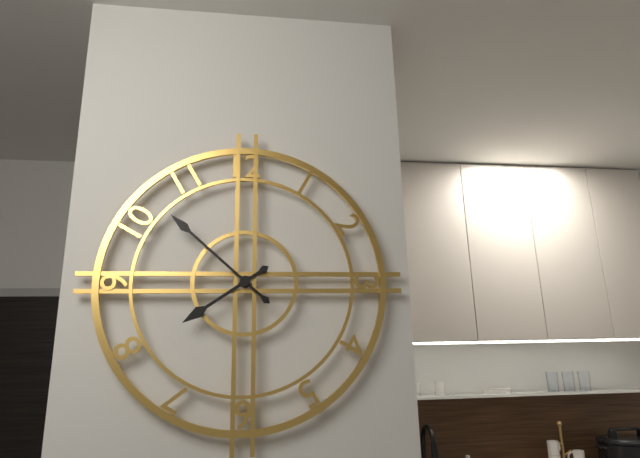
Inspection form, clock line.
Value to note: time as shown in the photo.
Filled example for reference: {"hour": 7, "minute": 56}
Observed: {"hour": 7, "minute": 52}
